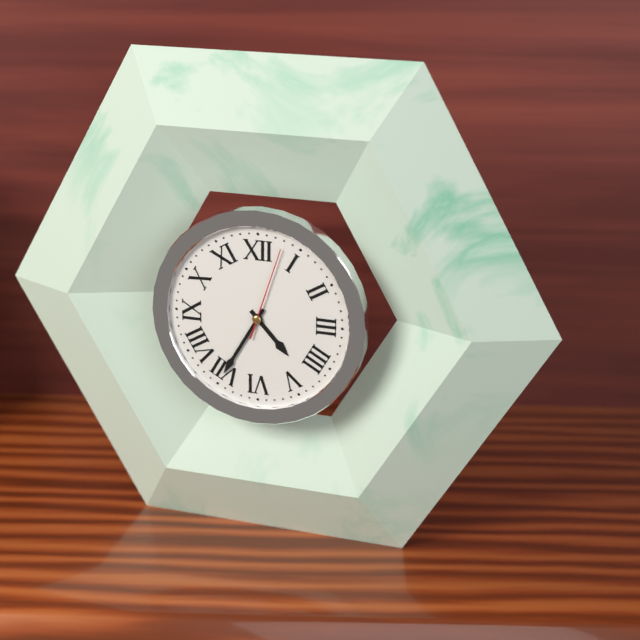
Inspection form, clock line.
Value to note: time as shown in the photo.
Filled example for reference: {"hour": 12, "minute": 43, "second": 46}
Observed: {"hour": 4, "minute": 35, "second": 3}
